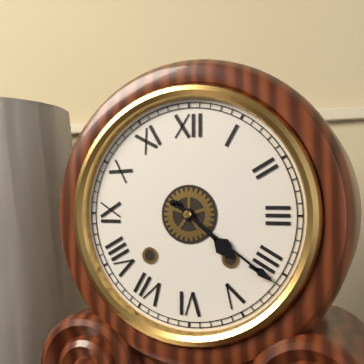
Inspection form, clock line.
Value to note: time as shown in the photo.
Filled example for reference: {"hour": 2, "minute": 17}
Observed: {"hour": 4, "minute": 21}
